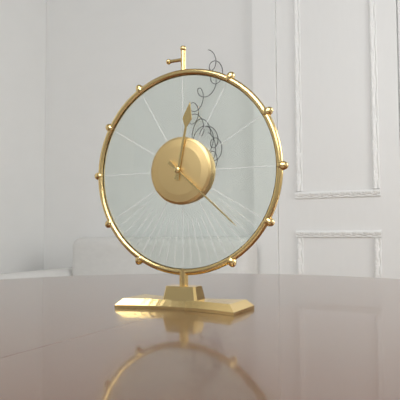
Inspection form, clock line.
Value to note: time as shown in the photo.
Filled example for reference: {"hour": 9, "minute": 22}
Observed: {"hour": 12, "minute": 22}
